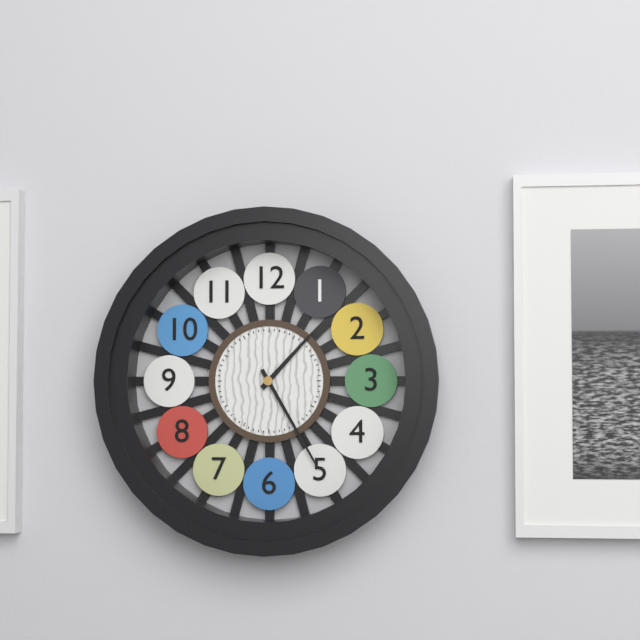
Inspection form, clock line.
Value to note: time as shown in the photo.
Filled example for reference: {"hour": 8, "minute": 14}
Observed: {"hour": 1, "minute": 25}
